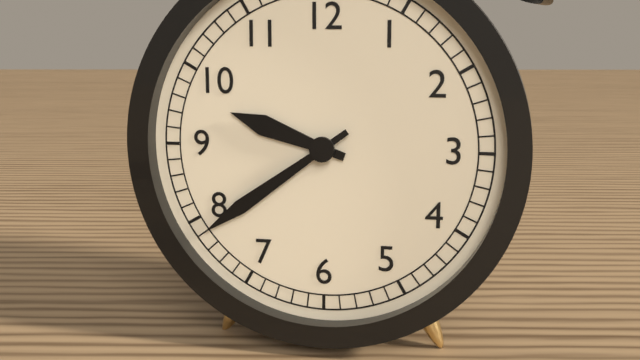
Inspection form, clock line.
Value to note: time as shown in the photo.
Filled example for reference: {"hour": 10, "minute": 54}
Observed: {"hour": 9, "minute": 39}
